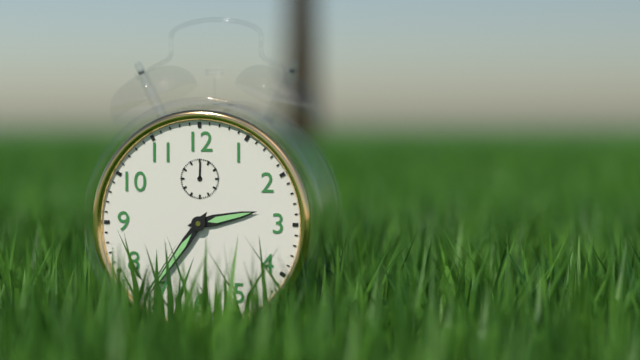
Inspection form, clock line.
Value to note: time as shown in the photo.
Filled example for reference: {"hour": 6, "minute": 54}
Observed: {"hour": 2, "minute": 36}
